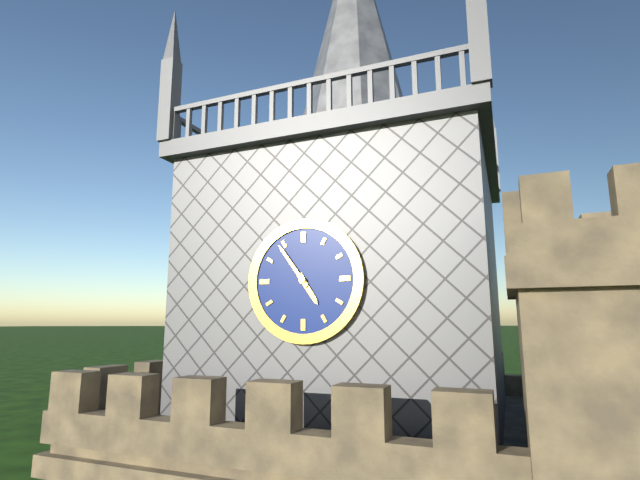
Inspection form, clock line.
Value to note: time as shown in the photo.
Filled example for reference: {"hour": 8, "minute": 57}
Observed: {"hour": 4, "minute": 54}
